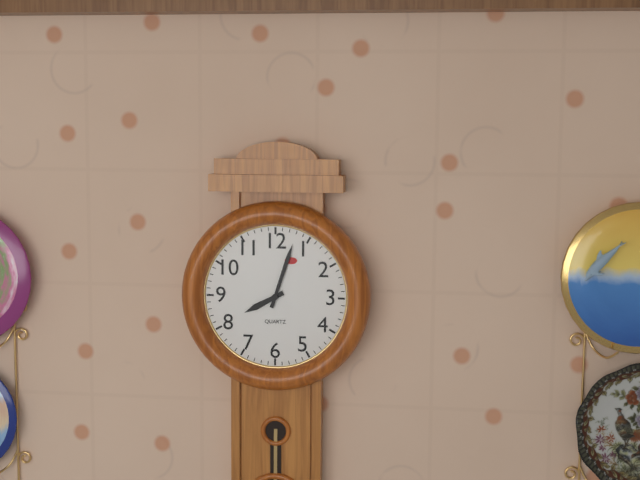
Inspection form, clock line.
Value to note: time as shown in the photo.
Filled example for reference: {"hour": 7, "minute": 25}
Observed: {"hour": 8, "minute": 3}
